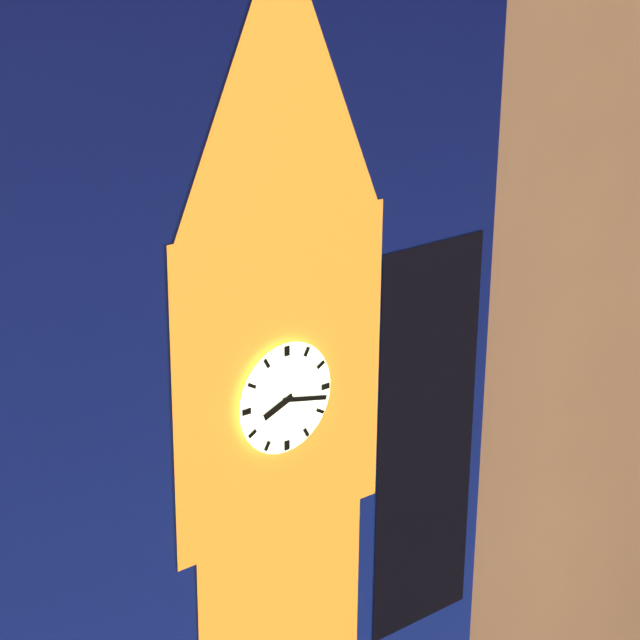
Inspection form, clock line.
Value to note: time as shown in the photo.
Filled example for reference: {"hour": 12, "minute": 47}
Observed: {"hour": 8, "minute": 17}
